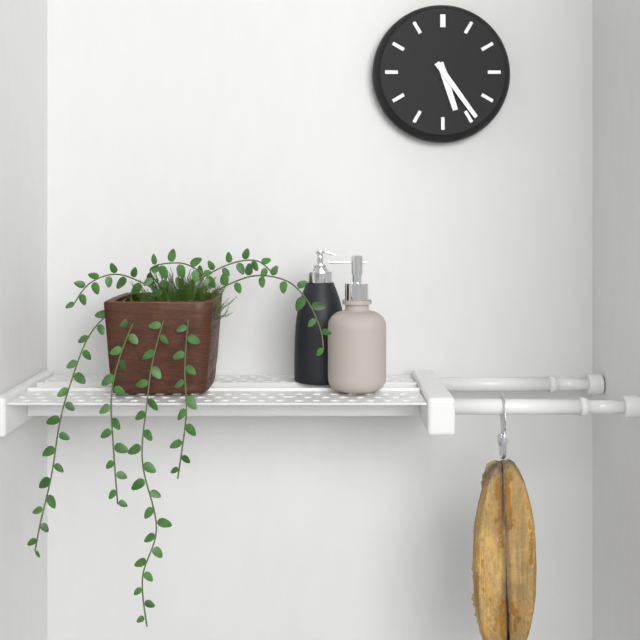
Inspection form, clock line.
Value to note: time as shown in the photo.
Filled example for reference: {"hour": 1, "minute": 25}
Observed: {"hour": 5, "minute": 24}
